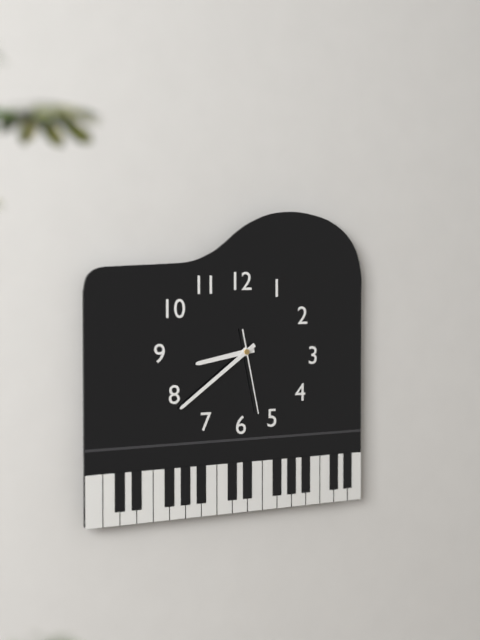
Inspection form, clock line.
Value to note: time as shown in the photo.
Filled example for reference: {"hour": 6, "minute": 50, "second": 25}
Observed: {"hour": 8, "minute": 39, "second": 28}
